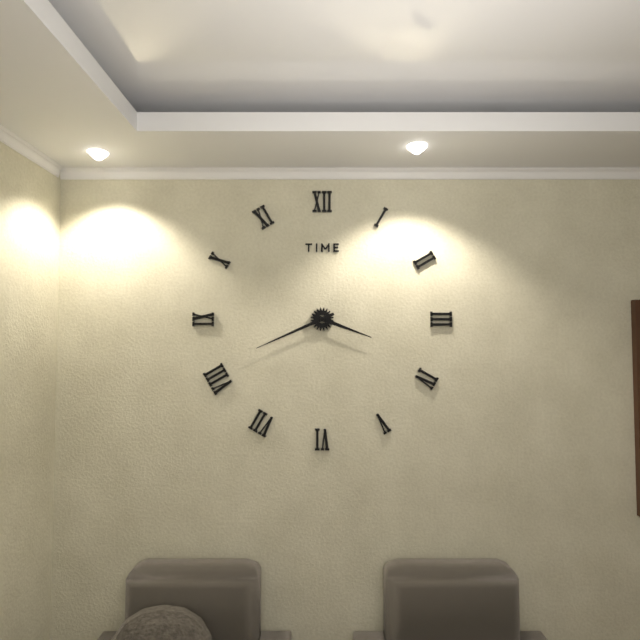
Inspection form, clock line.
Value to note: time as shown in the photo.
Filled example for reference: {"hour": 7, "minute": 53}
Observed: {"hour": 3, "minute": 41}
